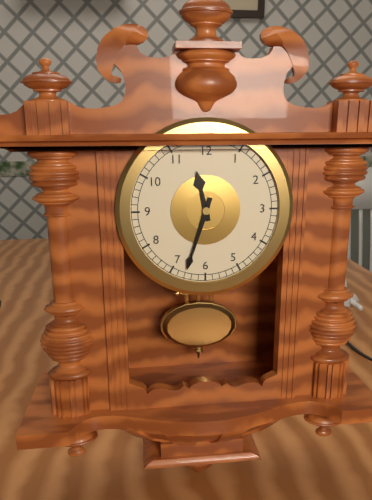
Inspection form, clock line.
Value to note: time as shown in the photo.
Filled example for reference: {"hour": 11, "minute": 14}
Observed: {"hour": 11, "minute": 33}
